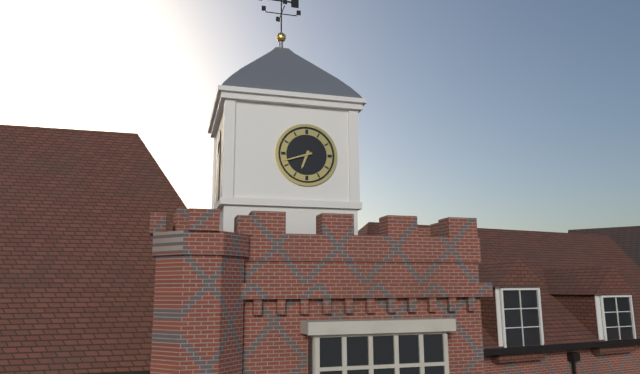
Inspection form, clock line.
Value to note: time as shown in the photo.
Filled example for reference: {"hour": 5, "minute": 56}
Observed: {"hour": 6, "minute": 42}
